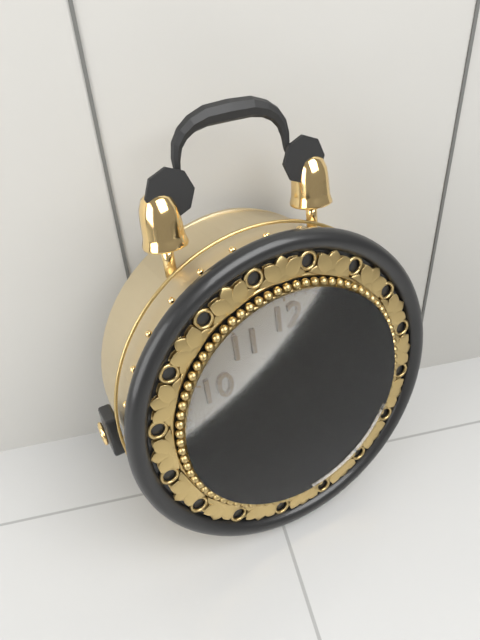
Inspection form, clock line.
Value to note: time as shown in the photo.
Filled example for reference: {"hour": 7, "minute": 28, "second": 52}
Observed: {"hour": 10, "minute": 10, "second": 36}
